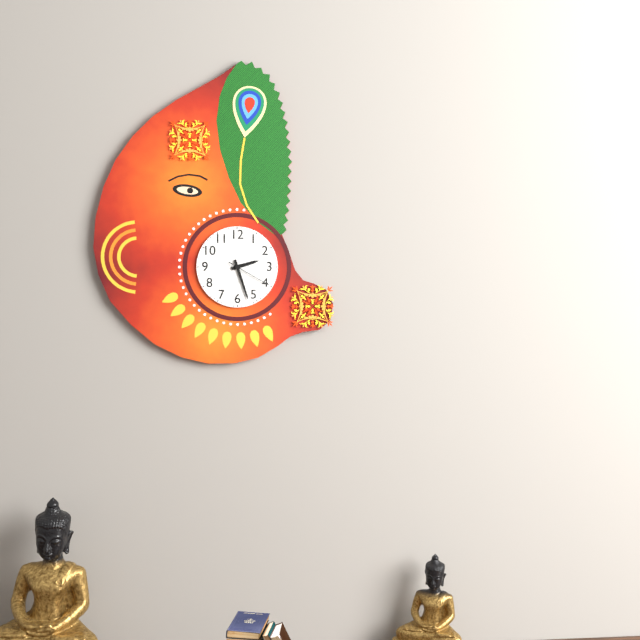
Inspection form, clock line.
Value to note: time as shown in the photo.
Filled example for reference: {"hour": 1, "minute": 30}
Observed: {"hour": 2, "minute": 27}
